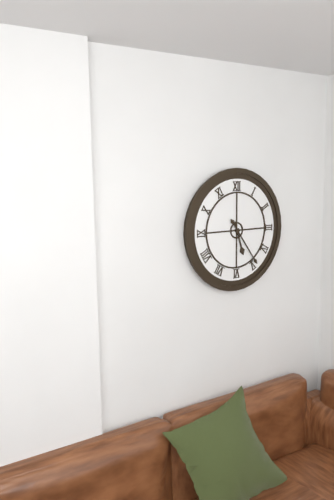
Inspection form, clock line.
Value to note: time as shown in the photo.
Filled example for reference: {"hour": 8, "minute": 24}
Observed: {"hour": 5, "minute": 24}
